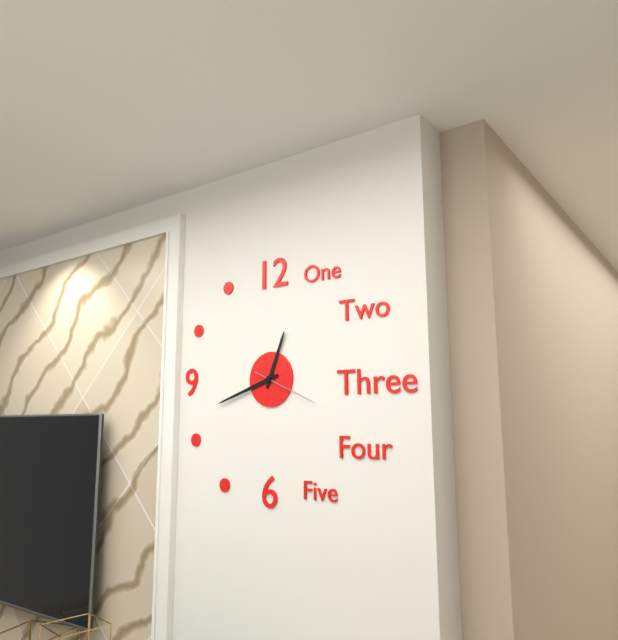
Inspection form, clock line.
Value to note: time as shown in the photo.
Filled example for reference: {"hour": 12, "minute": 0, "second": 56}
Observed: {"hour": 12, "minute": 42, "second": 19}
